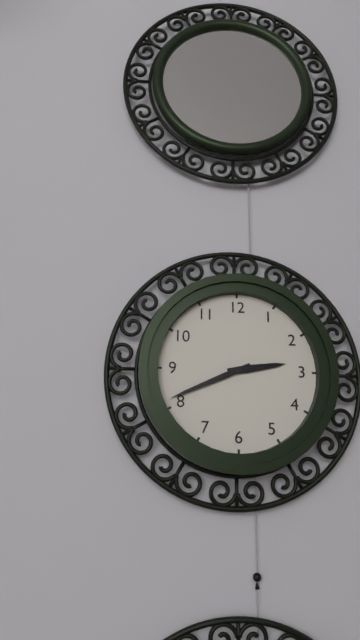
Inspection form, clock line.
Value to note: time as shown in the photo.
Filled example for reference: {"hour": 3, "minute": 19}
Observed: {"hour": 2, "minute": 41}
